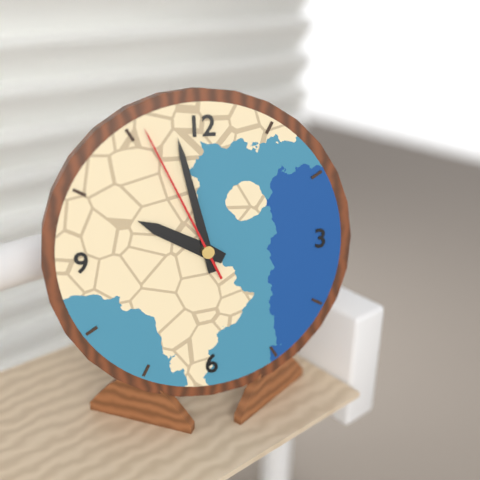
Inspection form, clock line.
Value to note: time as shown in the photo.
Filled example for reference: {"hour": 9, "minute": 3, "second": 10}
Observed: {"hour": 9, "minute": 58, "second": 56}
